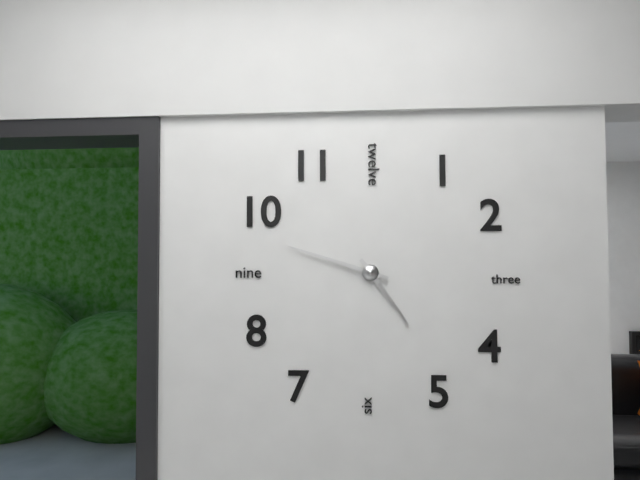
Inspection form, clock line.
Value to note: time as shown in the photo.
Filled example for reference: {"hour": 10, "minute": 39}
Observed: {"hour": 4, "minute": 48}
